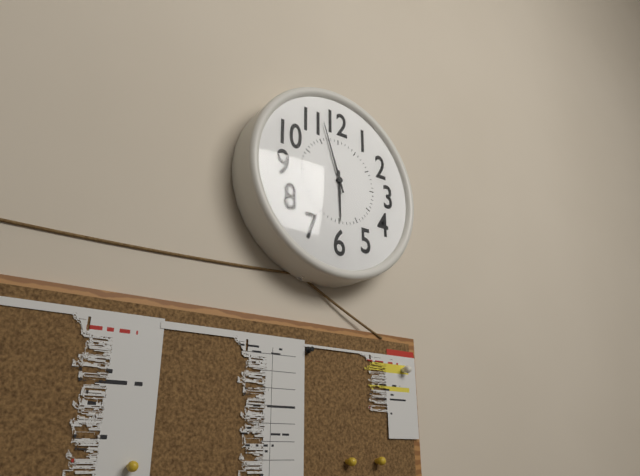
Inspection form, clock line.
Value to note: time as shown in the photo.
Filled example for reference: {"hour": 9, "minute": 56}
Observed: {"hour": 5, "minute": 57}
